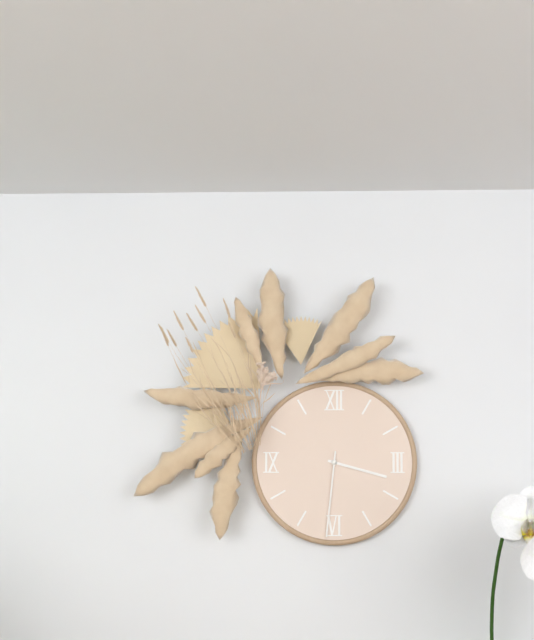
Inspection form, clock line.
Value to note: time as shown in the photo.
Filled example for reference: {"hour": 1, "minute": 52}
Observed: {"hour": 3, "minute": 31}
